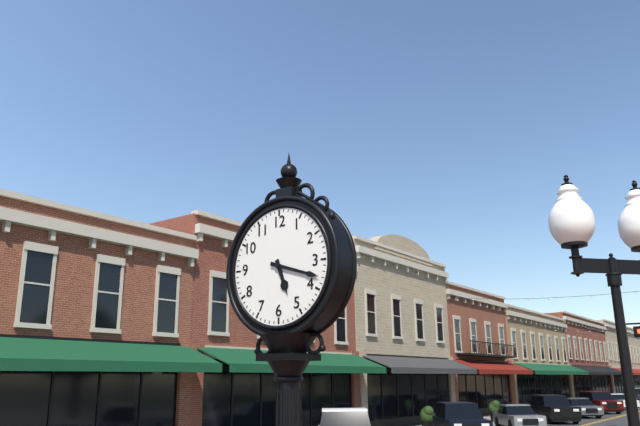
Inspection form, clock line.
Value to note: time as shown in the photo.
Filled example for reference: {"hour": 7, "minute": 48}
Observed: {"hour": 5, "minute": 18}
